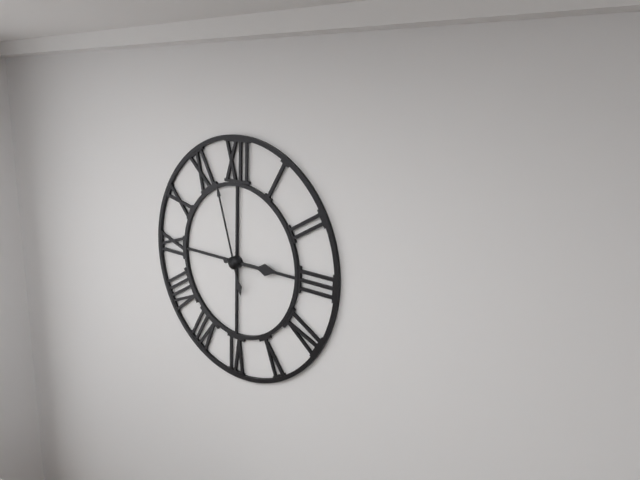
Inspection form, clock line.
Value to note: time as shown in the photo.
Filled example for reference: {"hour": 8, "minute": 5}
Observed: {"hour": 2, "minute": 57}
